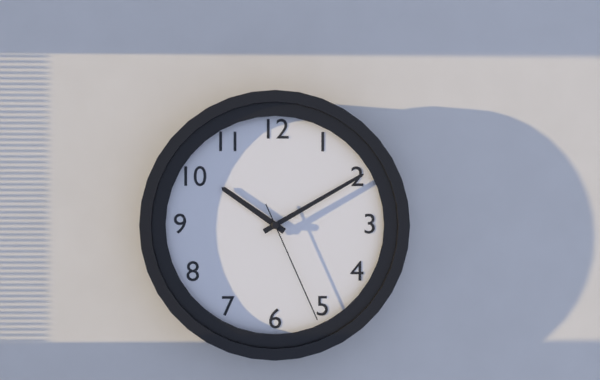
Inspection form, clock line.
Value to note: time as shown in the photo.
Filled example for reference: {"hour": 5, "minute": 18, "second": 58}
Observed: {"hour": 10, "minute": 10, "second": 26}
